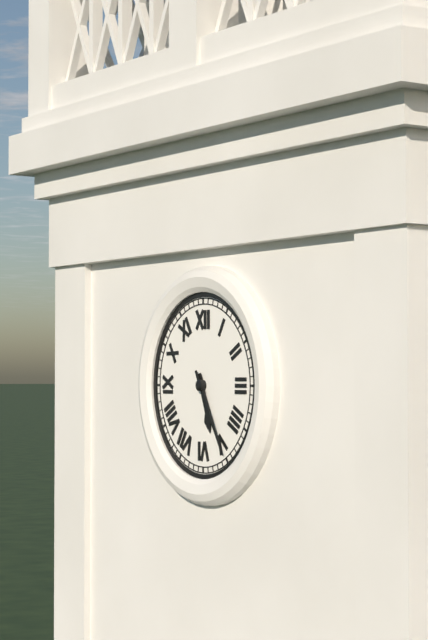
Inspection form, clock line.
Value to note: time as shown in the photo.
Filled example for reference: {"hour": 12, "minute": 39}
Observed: {"hour": 5, "minute": 25}
